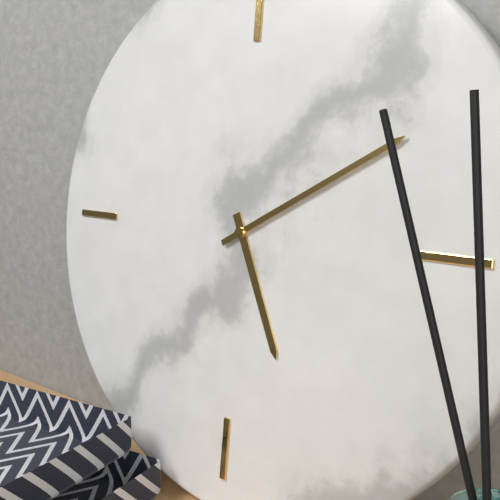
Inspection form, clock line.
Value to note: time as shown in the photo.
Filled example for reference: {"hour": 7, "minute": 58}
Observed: {"hour": 5, "minute": 10}
